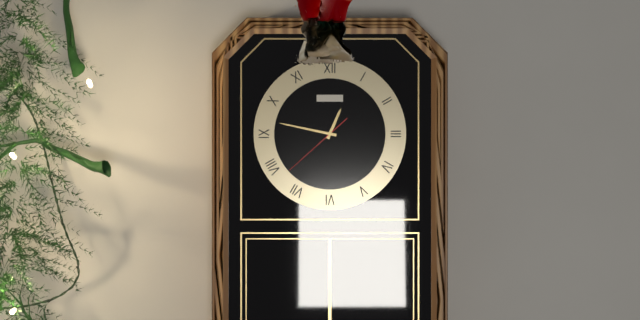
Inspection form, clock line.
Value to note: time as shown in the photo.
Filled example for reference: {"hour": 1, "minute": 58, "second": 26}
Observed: {"hour": 12, "minute": 47, "second": 38}
